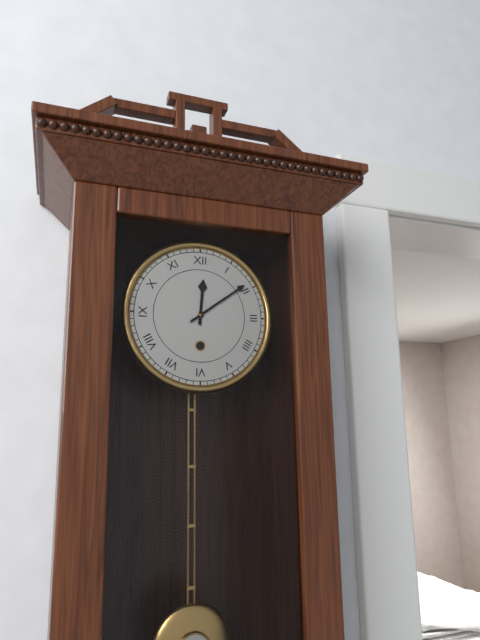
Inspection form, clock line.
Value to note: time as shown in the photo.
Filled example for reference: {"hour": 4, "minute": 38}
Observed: {"hour": 12, "minute": 9}
